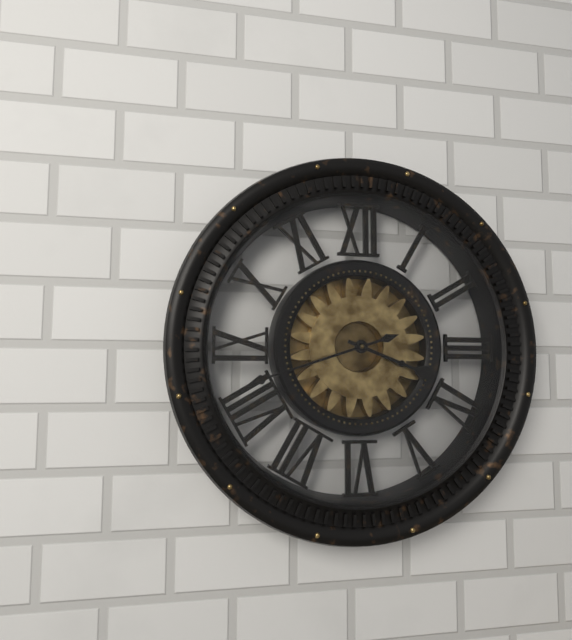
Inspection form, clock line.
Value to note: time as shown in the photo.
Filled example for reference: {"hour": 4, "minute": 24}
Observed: {"hour": 3, "minute": 42}
